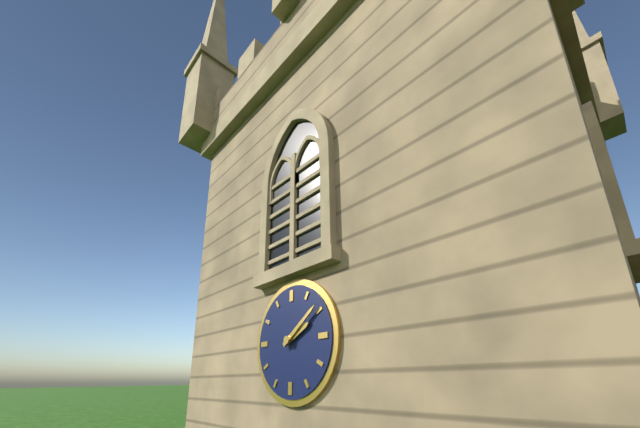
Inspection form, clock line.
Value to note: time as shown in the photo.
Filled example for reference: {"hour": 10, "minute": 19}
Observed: {"hour": 2, "minute": 9}
